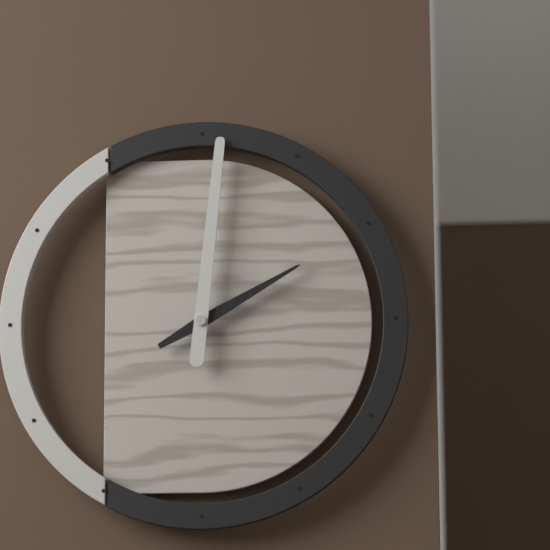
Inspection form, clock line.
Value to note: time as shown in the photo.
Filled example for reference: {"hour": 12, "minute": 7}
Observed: {"hour": 2, "minute": 1}
